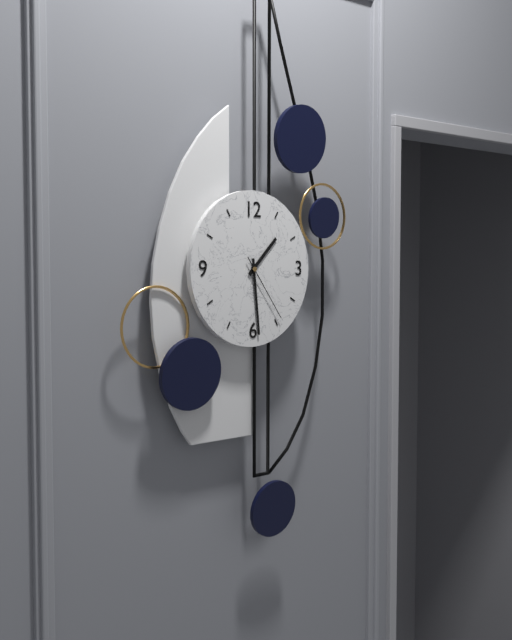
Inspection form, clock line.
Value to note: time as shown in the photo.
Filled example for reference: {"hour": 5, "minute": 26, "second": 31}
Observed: {"hour": 1, "minute": 29, "second": 24}
